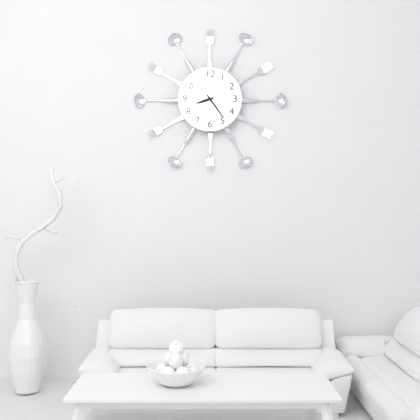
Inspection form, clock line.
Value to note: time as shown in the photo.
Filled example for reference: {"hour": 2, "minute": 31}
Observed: {"hour": 8, "minute": 24}
